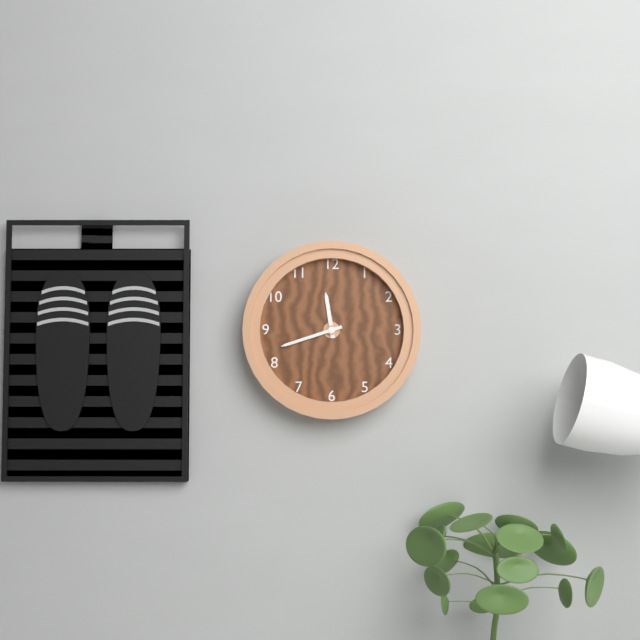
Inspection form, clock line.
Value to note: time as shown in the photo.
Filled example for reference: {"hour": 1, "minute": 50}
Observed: {"hour": 11, "minute": 42}
